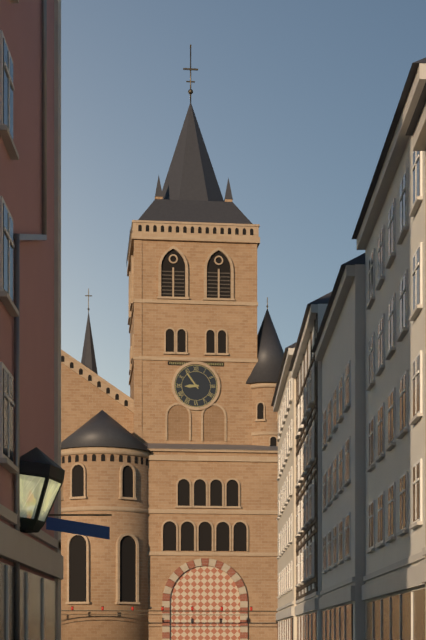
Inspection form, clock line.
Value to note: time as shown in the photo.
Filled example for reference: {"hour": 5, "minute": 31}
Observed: {"hour": 8, "minute": 54}
